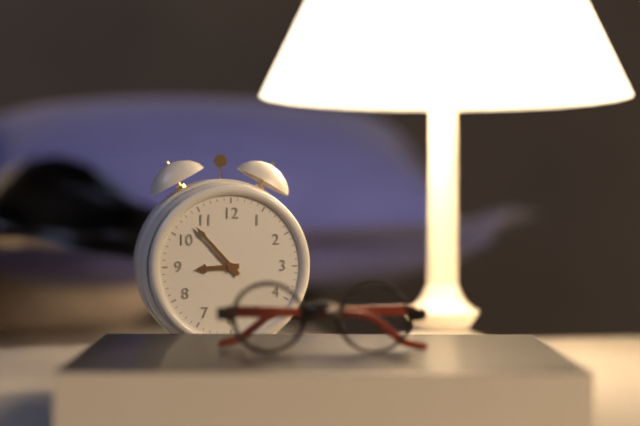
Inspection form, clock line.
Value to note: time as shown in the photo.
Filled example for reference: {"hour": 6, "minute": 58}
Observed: {"hour": 8, "minute": 53}
